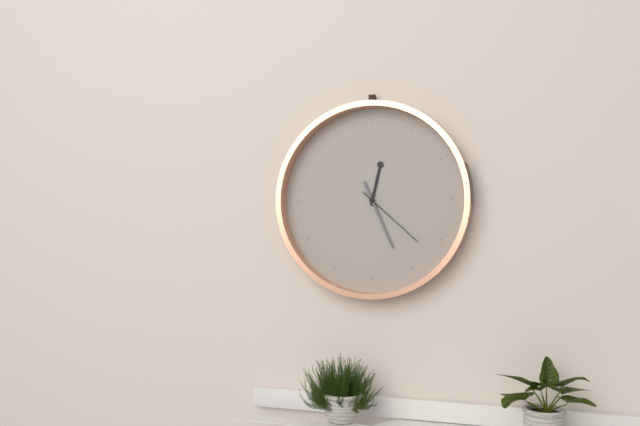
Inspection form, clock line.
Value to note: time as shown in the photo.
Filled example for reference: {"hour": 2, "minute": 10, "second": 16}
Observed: {"hour": 12, "minute": 26, "second": 22}
